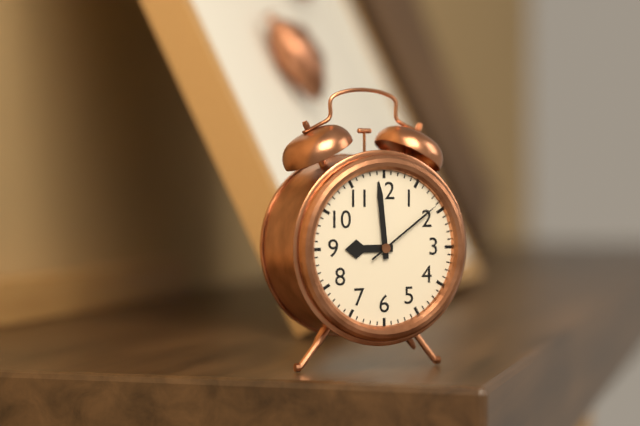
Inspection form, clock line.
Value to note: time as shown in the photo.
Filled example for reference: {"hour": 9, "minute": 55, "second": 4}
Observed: {"hour": 8, "minute": 59, "second": 9}
